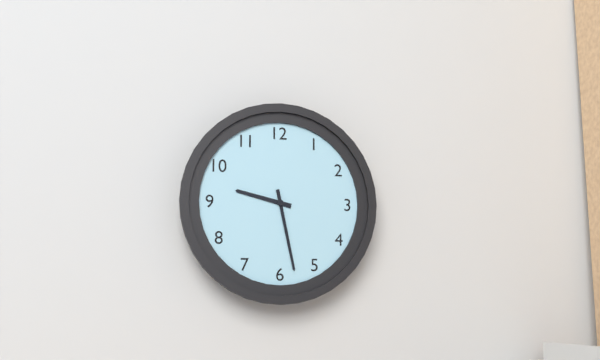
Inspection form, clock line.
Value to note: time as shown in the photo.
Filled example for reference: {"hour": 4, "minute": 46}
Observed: {"hour": 9, "minute": 28}
